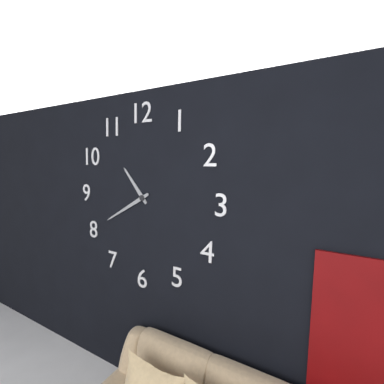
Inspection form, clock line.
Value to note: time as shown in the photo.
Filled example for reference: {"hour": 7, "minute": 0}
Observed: {"hour": 10, "minute": 40}
